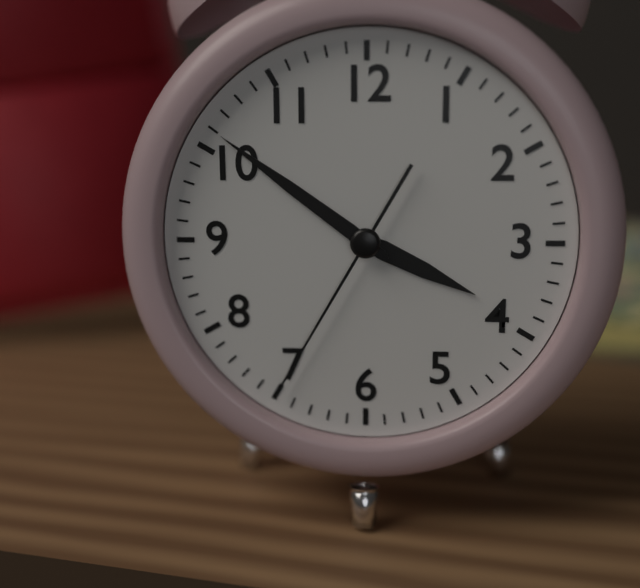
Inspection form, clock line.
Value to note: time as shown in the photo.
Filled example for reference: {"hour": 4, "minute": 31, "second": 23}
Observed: {"hour": 3, "minute": 51, "second": 35}
